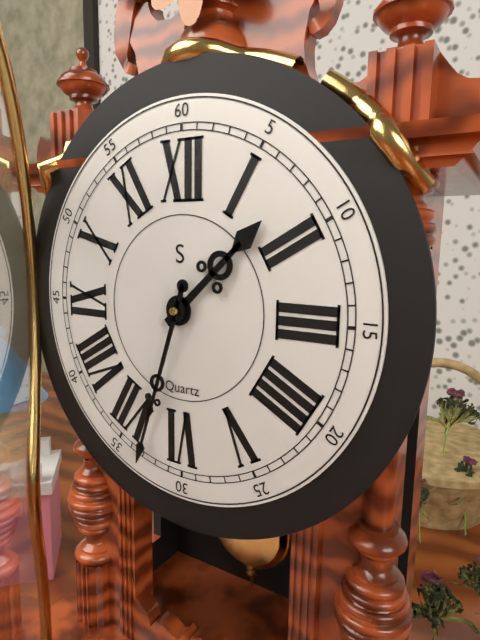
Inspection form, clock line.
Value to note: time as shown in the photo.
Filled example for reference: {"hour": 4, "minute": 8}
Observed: {"hour": 1, "minute": 33}
